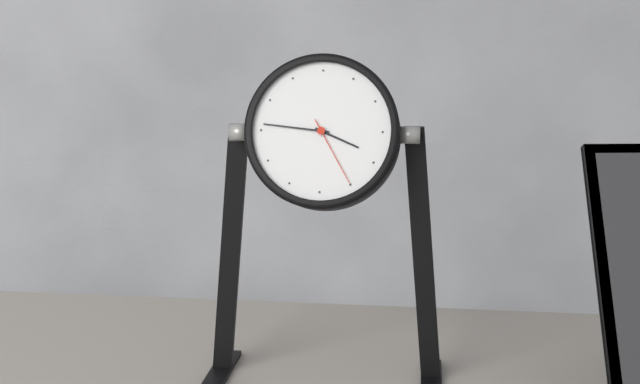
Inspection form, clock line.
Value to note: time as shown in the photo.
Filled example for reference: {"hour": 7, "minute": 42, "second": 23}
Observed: {"hour": 3, "minute": 46, "second": 25}
